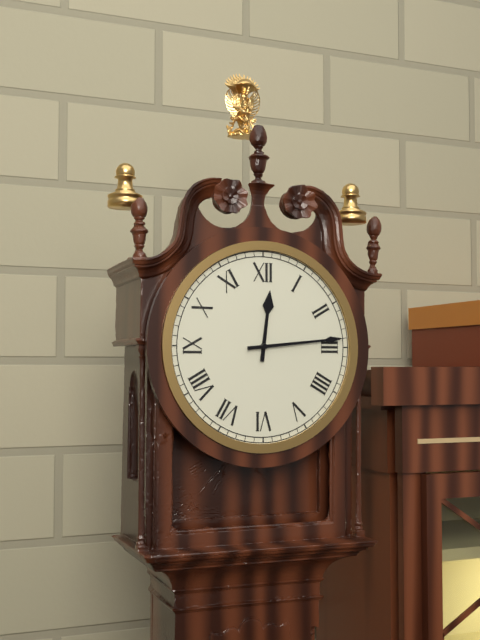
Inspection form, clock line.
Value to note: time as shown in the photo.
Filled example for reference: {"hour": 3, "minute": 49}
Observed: {"hour": 12, "minute": 14}
